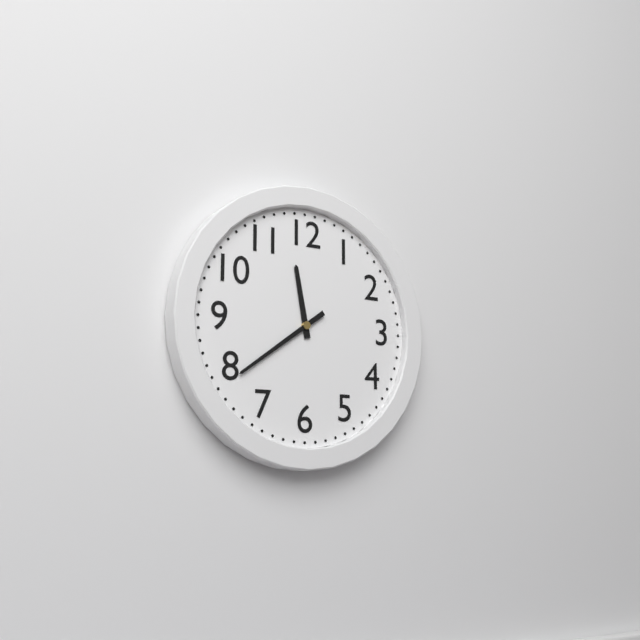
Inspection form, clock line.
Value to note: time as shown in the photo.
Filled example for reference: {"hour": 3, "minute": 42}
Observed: {"hour": 11, "minute": 39}
